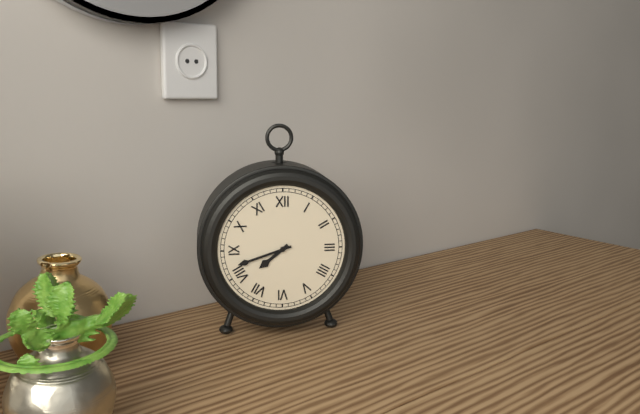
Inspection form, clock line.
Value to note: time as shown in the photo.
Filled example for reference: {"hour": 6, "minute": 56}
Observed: {"hour": 7, "minute": 42}
